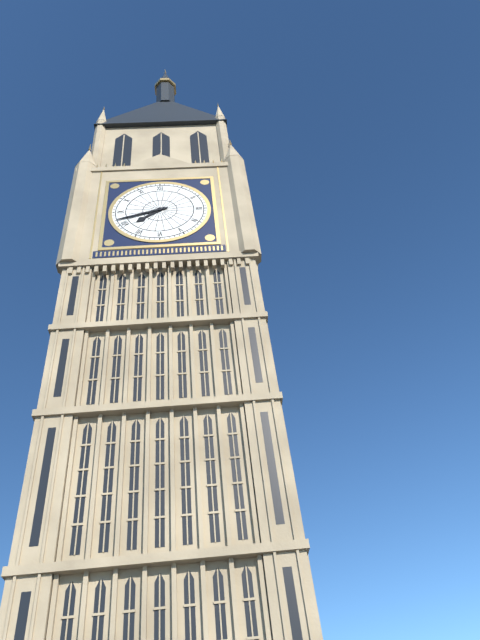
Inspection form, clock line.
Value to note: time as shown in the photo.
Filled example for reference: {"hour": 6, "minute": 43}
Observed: {"hour": 7, "minute": 42}
